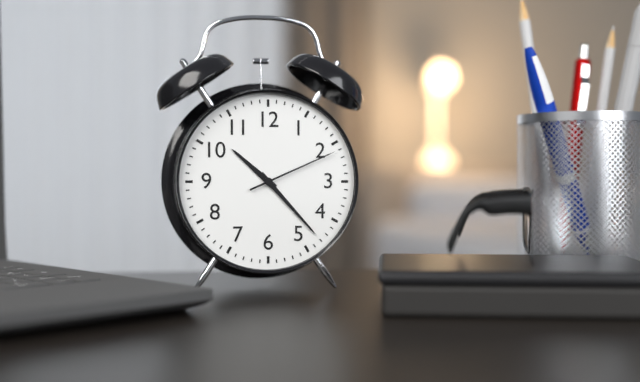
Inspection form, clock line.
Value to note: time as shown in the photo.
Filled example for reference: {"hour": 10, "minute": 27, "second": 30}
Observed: {"hour": 10, "minute": 23, "second": 11}
